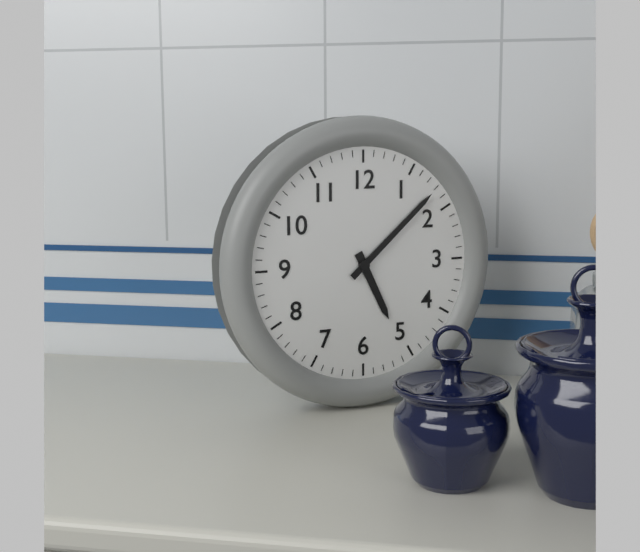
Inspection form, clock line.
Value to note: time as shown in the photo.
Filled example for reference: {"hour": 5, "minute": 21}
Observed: {"hour": 5, "minute": 8}
